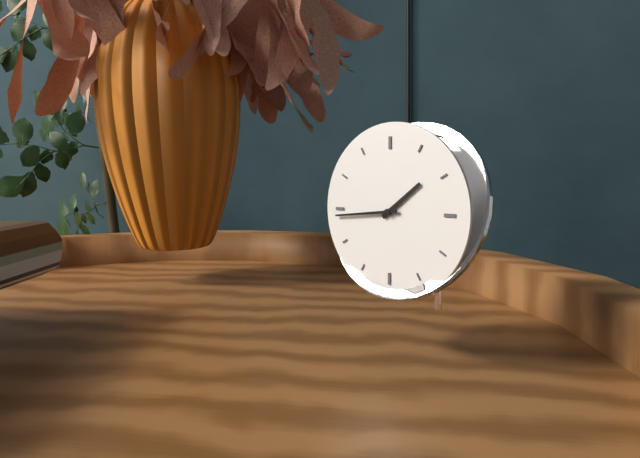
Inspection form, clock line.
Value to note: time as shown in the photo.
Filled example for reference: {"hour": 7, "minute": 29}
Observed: {"hour": 1, "minute": 44}
